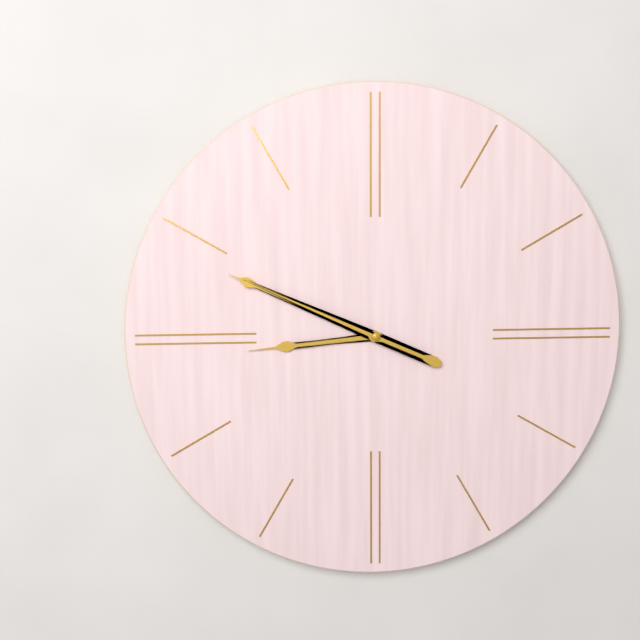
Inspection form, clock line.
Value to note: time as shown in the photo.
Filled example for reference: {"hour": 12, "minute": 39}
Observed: {"hour": 8, "minute": 49}
